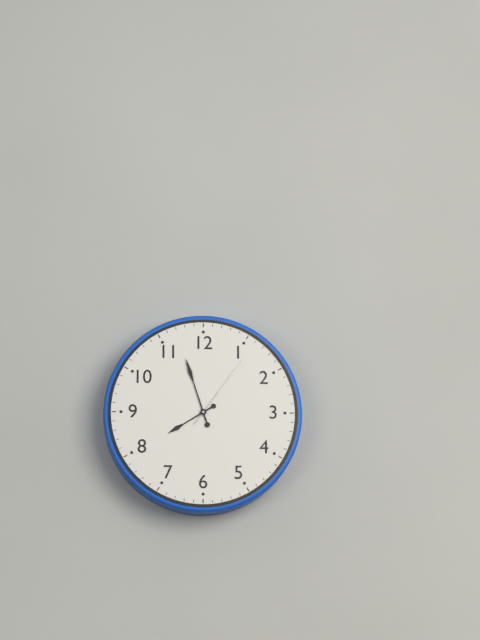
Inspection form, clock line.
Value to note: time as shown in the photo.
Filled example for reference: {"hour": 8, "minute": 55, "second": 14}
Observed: {"hour": 7, "minute": 57, "second": 6}
